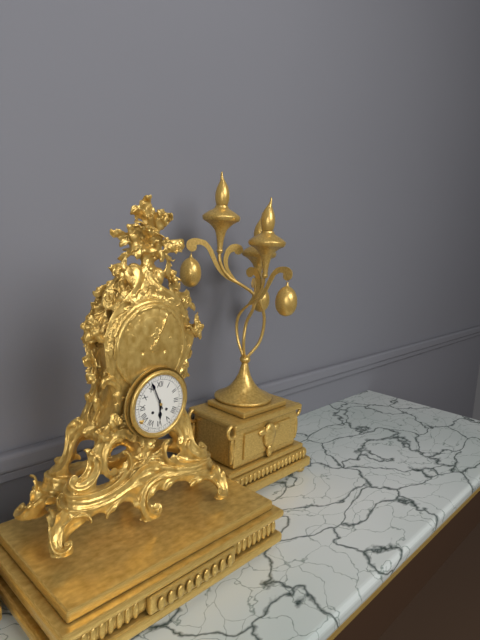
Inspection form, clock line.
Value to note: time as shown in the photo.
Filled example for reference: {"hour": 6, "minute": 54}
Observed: {"hour": 5, "minute": 56}
